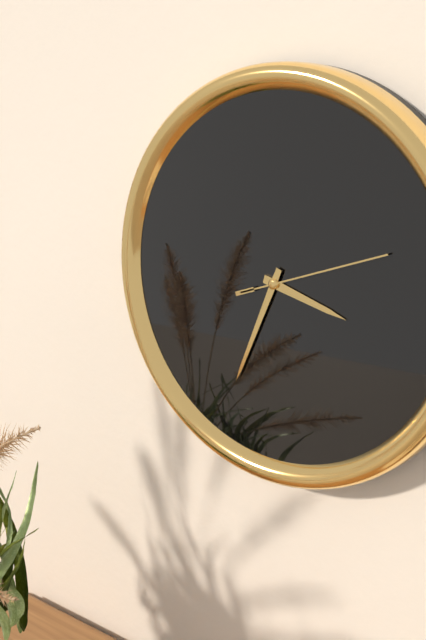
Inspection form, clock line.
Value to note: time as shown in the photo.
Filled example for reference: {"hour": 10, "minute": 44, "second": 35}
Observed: {"hour": 3, "minute": 34, "second": 12}
